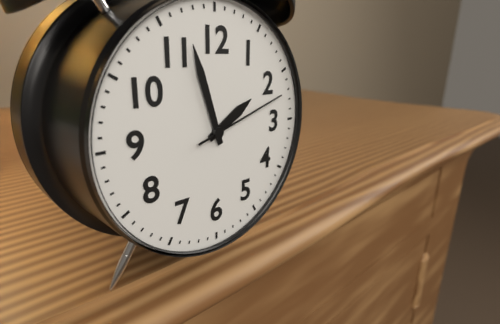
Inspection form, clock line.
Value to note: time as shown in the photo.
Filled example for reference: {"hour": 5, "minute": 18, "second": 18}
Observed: {"hour": 1, "minute": 57, "second": 12}
